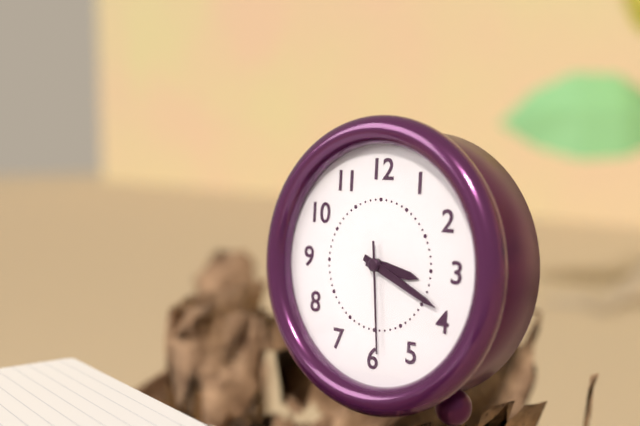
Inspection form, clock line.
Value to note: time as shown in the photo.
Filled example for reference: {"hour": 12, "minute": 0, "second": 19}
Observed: {"hour": 3, "minute": 19, "second": 29}
